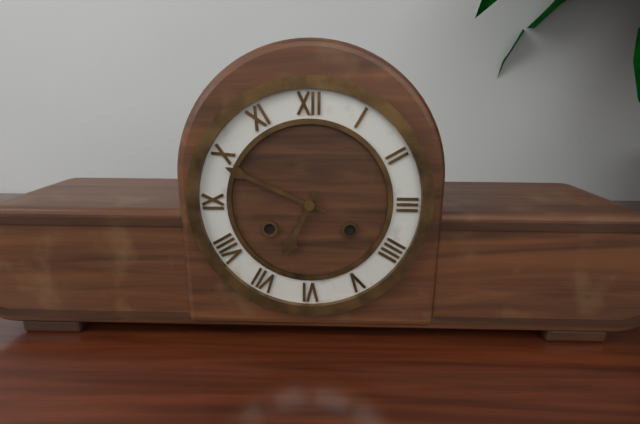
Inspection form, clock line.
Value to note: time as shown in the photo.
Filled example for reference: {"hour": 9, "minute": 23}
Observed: {"hour": 6, "minute": 49}
